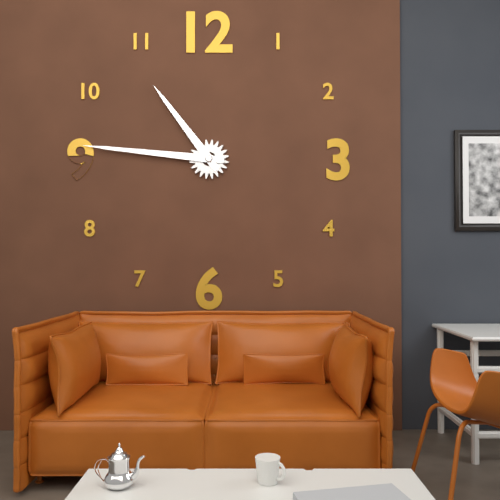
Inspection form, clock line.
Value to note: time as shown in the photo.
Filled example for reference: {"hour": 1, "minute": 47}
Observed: {"hour": 10, "minute": 46}
